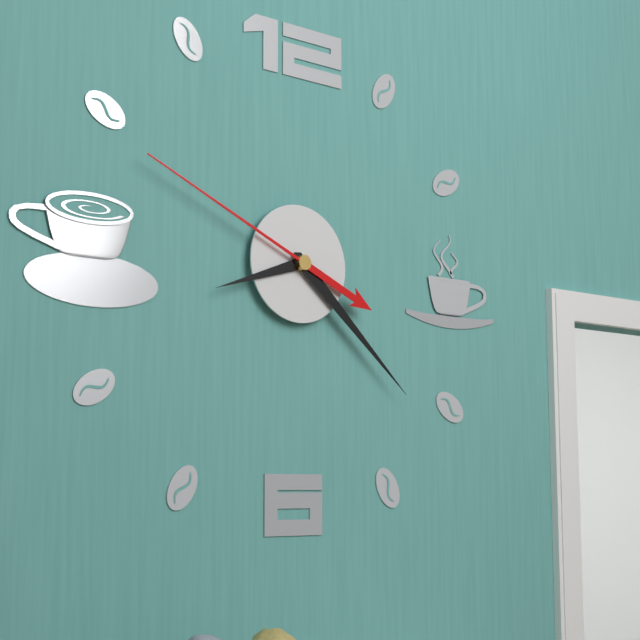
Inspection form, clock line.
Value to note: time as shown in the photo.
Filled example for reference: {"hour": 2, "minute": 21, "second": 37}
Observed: {"hour": 8, "minute": 22, "second": 49}
